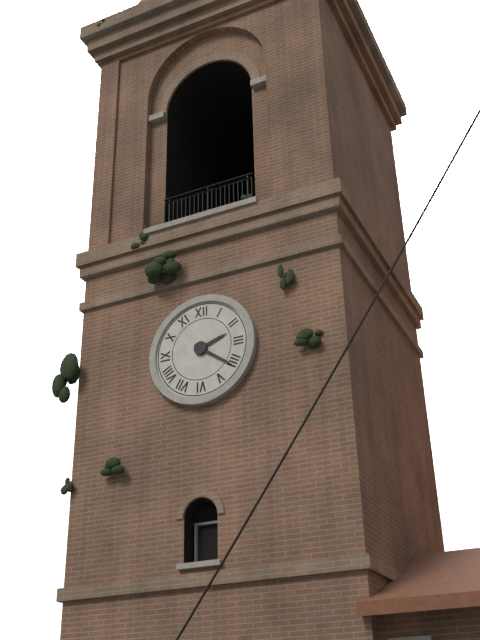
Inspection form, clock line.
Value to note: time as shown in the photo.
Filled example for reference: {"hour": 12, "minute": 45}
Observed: {"hour": 2, "minute": 21}
